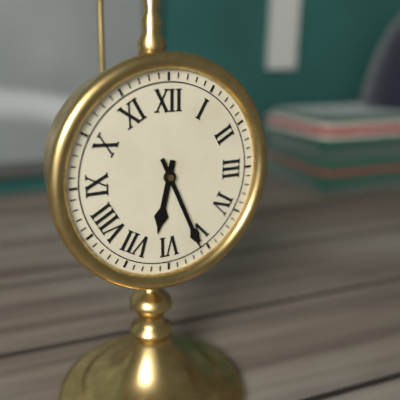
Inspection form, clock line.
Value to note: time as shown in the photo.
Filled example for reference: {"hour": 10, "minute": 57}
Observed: {"hour": 6, "minute": 26}
